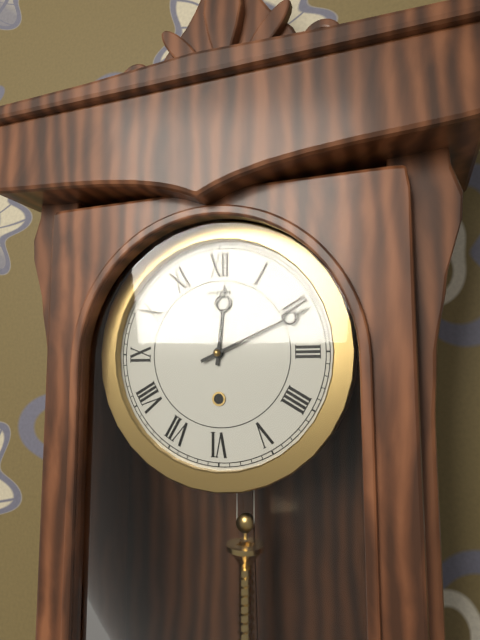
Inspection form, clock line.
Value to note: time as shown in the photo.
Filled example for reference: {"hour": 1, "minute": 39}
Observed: {"hour": 12, "minute": 11}
